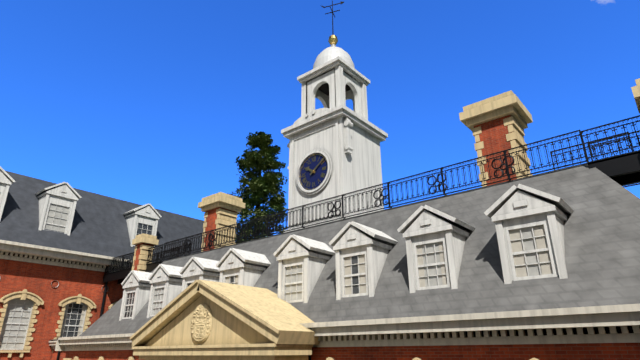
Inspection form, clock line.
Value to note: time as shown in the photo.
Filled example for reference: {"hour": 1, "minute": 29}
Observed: {"hour": 10, "minute": 9}
